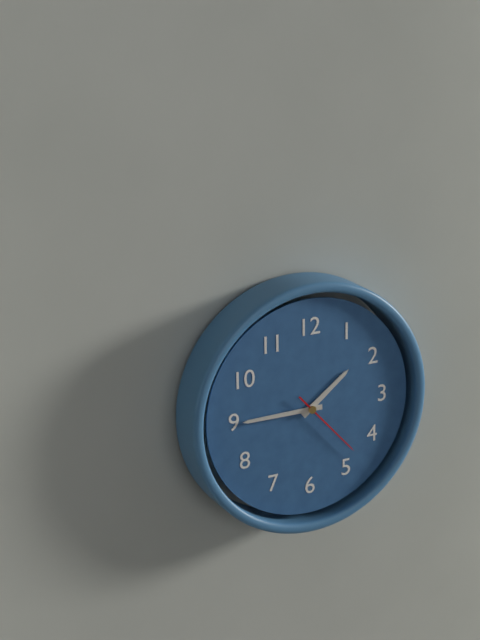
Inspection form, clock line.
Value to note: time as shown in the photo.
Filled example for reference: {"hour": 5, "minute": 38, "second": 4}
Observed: {"hour": 1, "minute": 45, "second": 23}
